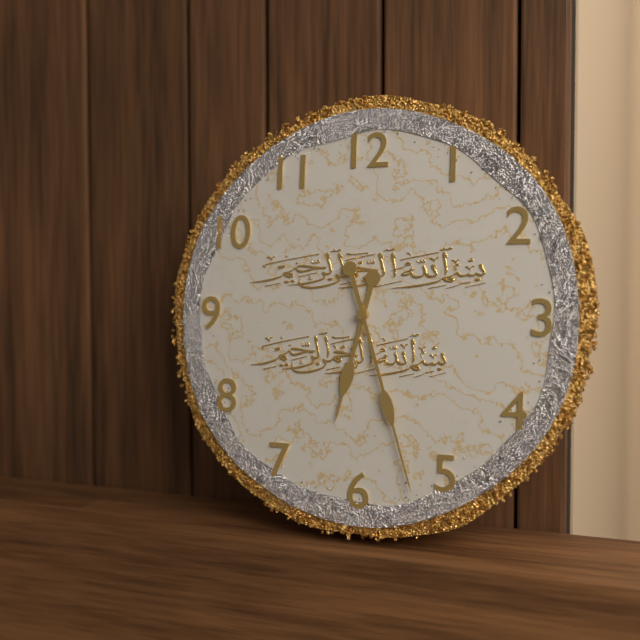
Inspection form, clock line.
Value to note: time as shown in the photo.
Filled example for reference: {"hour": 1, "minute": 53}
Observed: {"hour": 6, "minute": 27}
